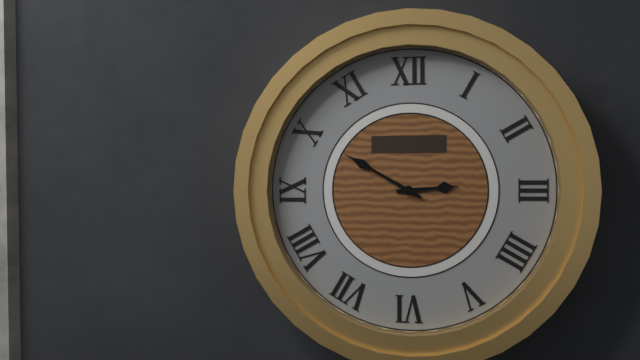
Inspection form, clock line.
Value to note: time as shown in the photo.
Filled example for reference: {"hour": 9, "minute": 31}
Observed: {"hour": 2, "minute": 50}
